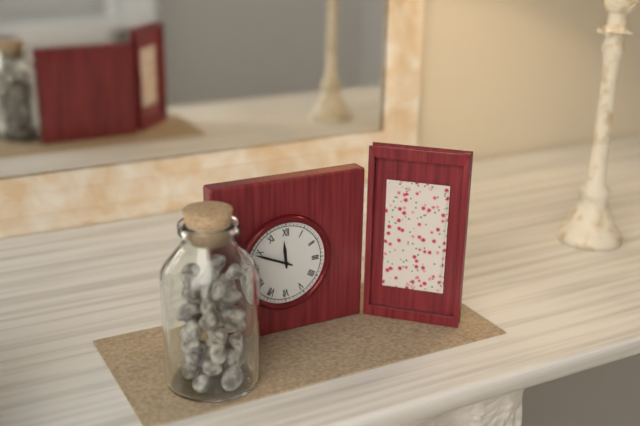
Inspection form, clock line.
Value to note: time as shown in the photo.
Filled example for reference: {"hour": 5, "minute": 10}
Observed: {"hour": 11, "minute": 49}
